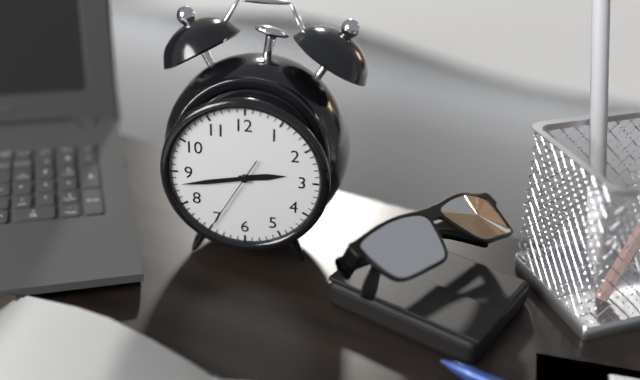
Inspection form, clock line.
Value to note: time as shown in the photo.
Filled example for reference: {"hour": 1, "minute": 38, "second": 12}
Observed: {"hour": 2, "minute": 43, "second": 35}
